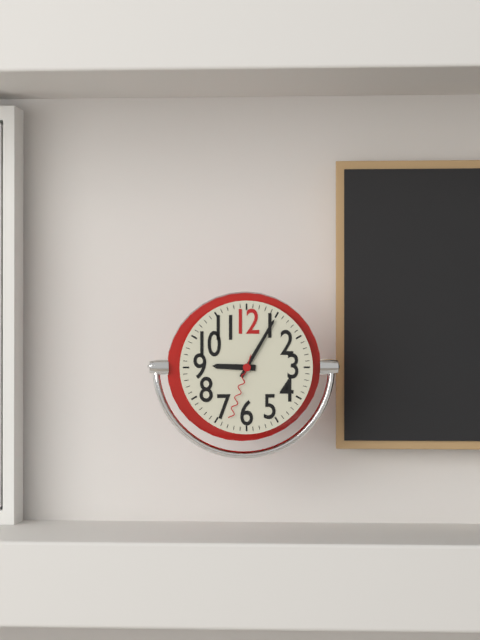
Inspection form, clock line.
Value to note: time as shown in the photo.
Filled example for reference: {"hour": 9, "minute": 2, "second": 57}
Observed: {"hour": 9, "minute": 5, "second": 33}
